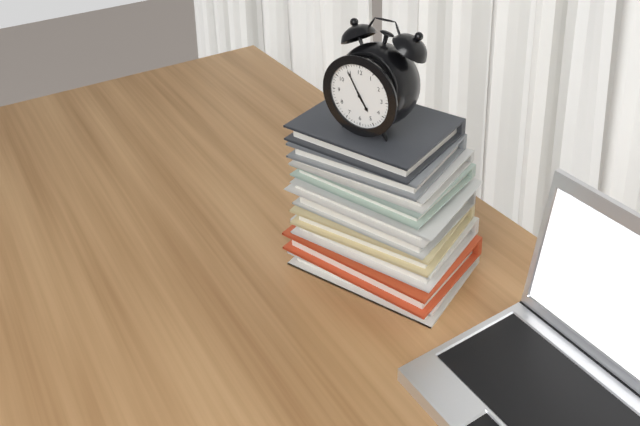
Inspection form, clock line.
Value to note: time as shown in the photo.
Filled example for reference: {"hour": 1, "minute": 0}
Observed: {"hour": 4, "minute": 55}
